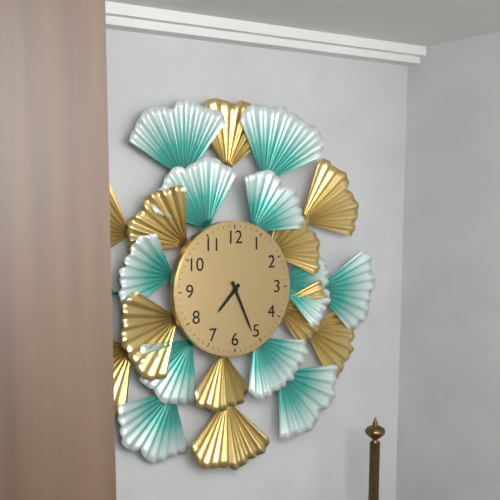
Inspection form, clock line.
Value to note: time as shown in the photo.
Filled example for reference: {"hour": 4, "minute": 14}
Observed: {"hour": 7, "minute": 26}
